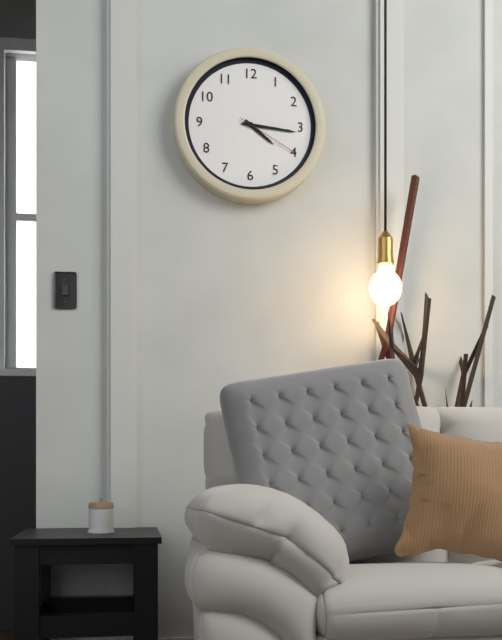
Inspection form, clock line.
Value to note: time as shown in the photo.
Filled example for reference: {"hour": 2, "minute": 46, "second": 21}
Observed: {"hour": 4, "minute": 16, "second": 20}
